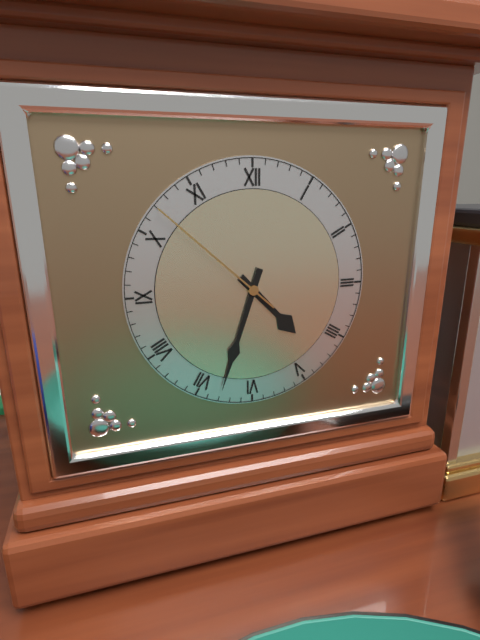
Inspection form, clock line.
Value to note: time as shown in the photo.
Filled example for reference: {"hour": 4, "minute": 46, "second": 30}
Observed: {"hour": 4, "minute": 33, "second": 52}
